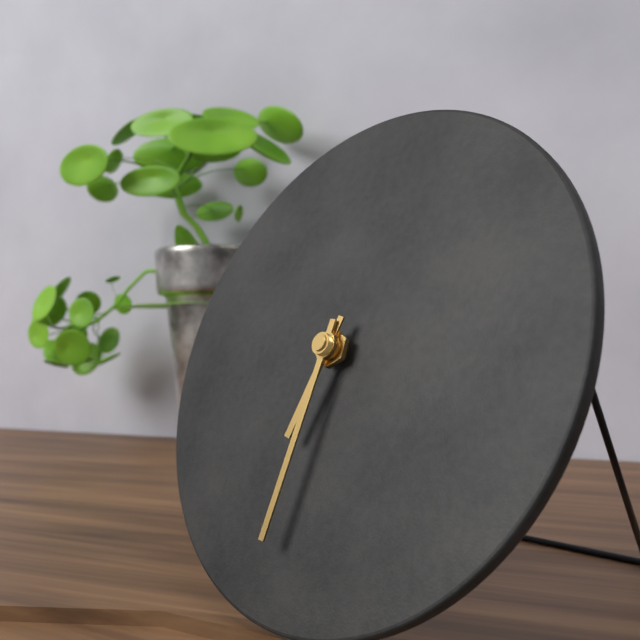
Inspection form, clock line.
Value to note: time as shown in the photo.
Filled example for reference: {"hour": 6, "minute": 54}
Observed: {"hour": 6, "minute": 31}
